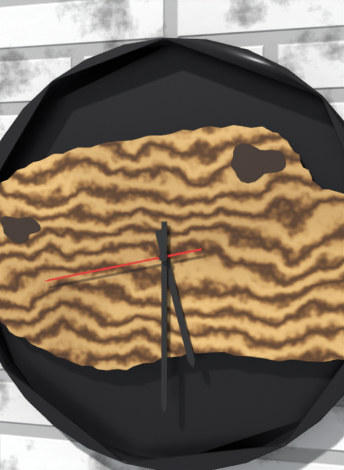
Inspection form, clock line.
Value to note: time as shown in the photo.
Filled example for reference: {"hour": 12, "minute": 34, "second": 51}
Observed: {"hour": 5, "minute": 30, "second": 43}
